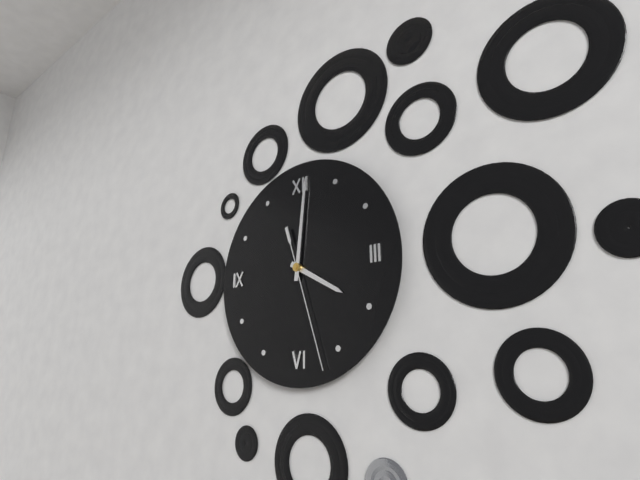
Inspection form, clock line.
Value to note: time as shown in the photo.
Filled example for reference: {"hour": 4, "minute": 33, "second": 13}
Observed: {"hour": 4, "minute": 1, "second": 27}
